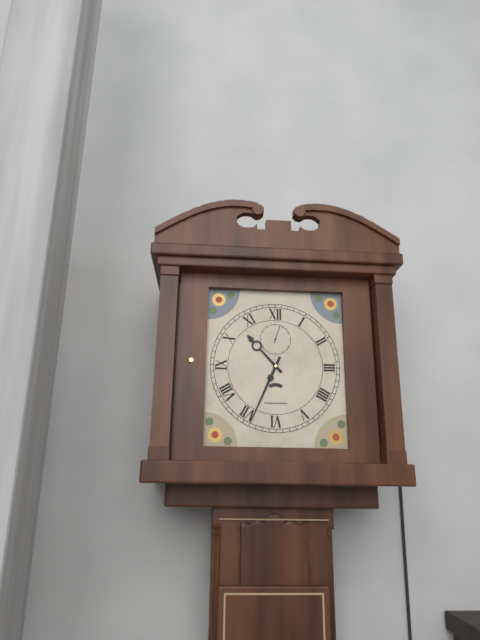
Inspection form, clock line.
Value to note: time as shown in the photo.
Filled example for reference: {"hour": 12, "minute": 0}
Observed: {"hour": 10, "minute": 34}
